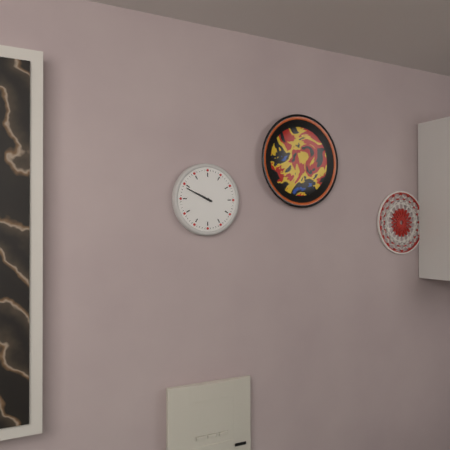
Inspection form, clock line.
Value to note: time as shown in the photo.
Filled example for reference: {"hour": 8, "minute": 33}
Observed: {"hour": 9, "minute": 49}
